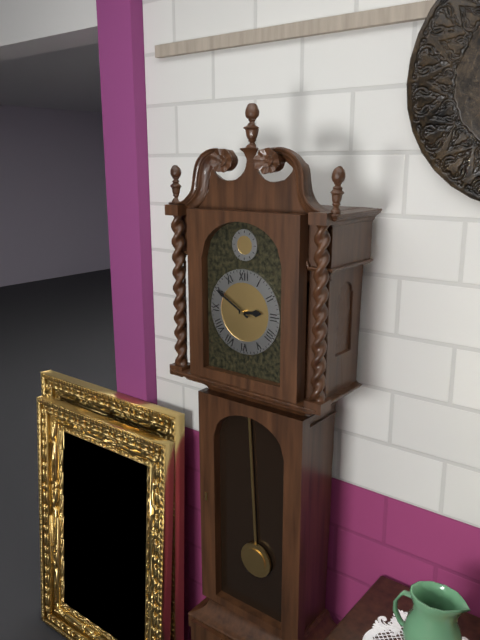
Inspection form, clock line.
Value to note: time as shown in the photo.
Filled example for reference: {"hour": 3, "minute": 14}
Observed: {"hour": 2, "minute": 50}
